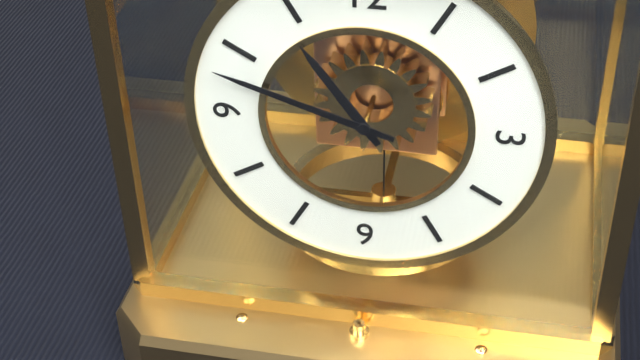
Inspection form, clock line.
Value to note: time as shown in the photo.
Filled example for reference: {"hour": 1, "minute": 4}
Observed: {"hour": 10, "minute": 48}
